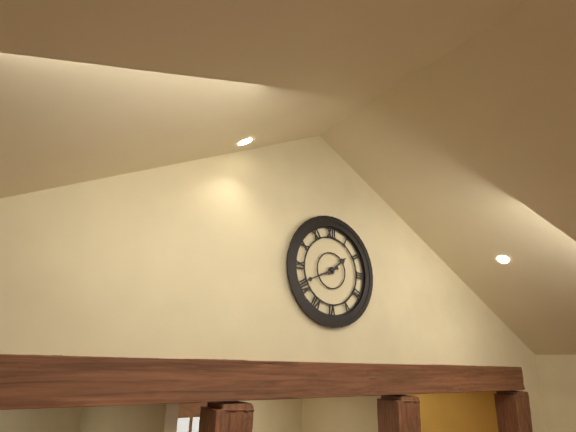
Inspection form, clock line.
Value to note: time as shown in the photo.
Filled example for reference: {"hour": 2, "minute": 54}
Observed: {"hour": 1, "minute": 41}
